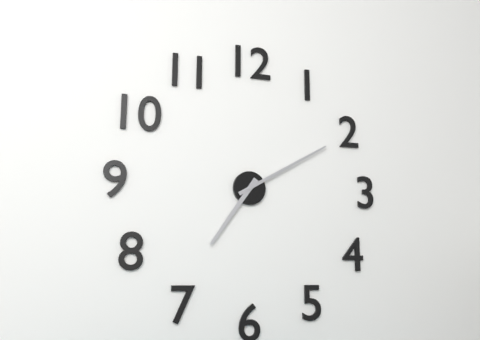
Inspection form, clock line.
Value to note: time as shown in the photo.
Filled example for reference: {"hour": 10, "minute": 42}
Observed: {"hour": 7, "minute": 10}
